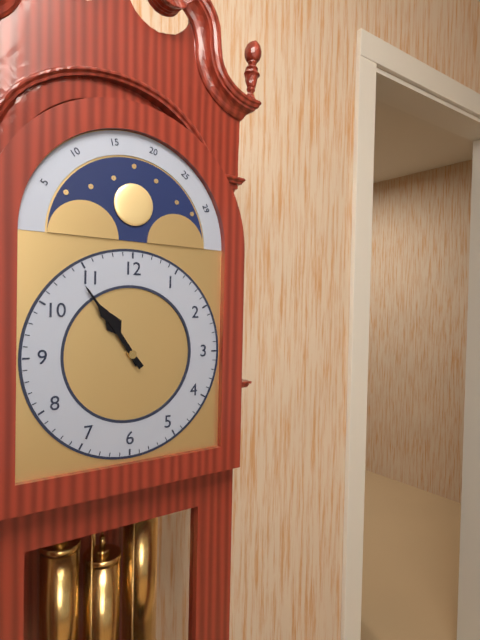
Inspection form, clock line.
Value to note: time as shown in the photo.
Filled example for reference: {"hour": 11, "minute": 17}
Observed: {"hour": 10, "minute": 54}
